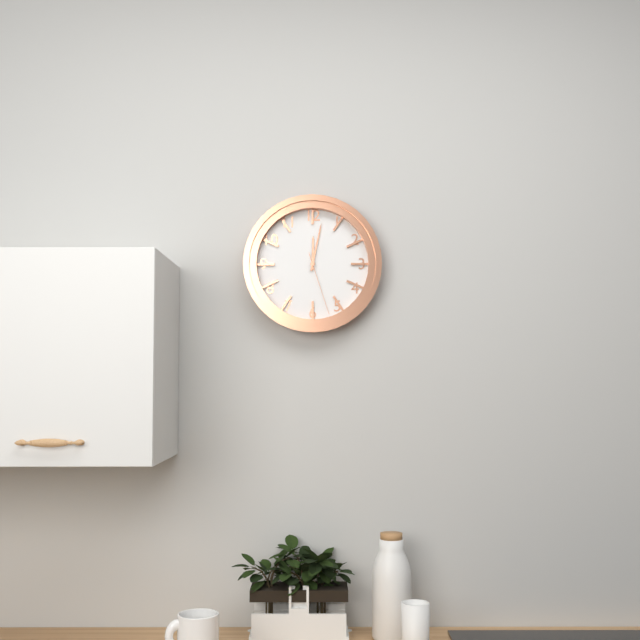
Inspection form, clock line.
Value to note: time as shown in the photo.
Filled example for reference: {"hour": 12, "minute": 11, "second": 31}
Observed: {"hour": 12, "minute": 2, "second": 27}
